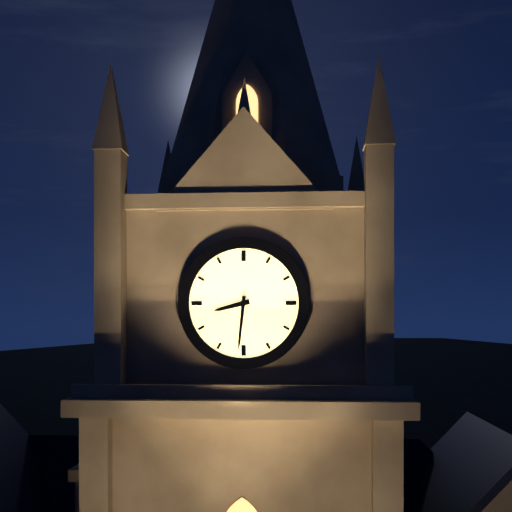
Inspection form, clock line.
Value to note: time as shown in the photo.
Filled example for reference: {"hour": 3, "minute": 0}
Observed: {"hour": 8, "minute": 31}
